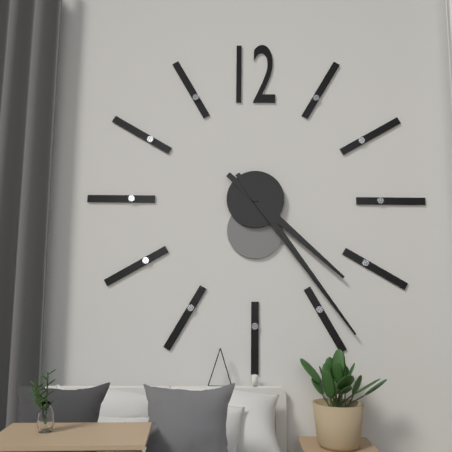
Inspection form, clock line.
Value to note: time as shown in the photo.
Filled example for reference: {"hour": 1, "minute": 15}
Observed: {"hour": 4, "minute": 24}
